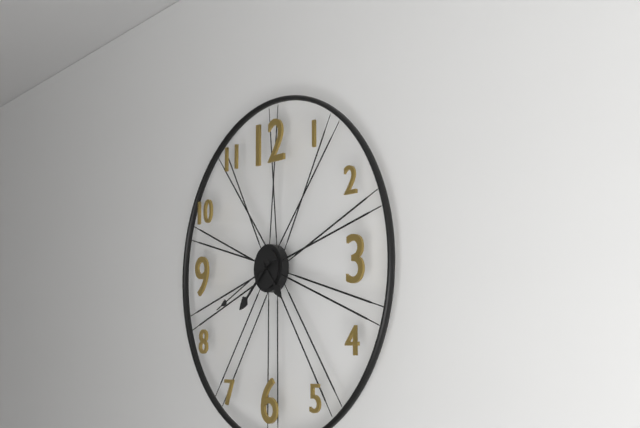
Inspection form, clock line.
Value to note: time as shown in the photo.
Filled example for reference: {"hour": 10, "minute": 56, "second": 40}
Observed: {"hour": 4, "minute": 38, "second": 41}
